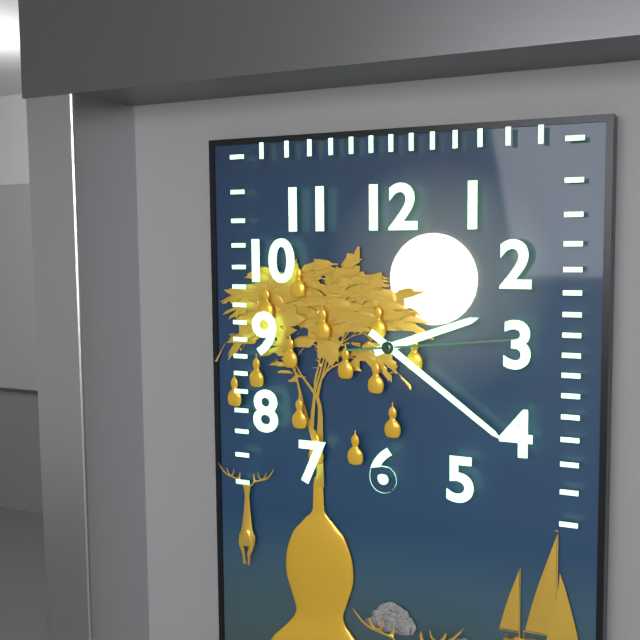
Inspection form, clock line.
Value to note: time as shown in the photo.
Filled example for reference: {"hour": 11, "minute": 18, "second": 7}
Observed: {"hour": 2, "minute": 21, "second": 14}
